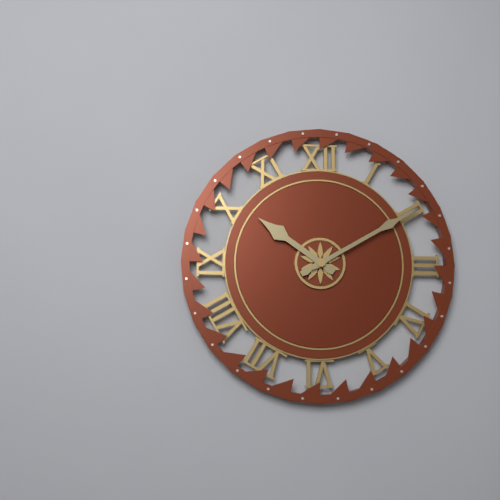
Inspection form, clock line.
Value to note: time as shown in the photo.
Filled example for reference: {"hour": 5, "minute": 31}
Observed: {"hour": 10, "minute": 10}
